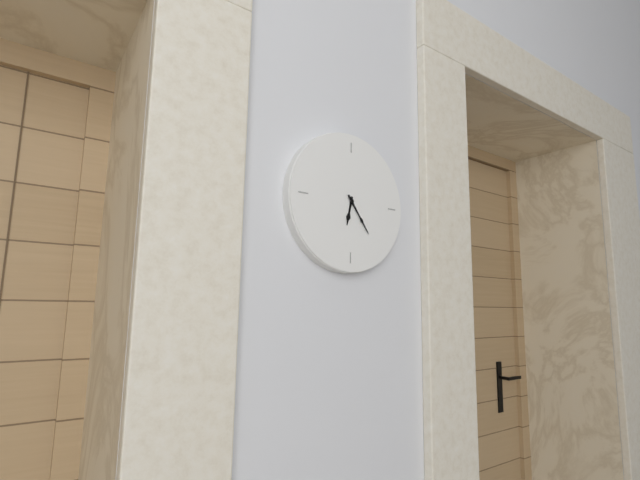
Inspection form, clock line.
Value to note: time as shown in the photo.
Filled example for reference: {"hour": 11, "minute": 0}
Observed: {"hour": 6, "minute": 24}
